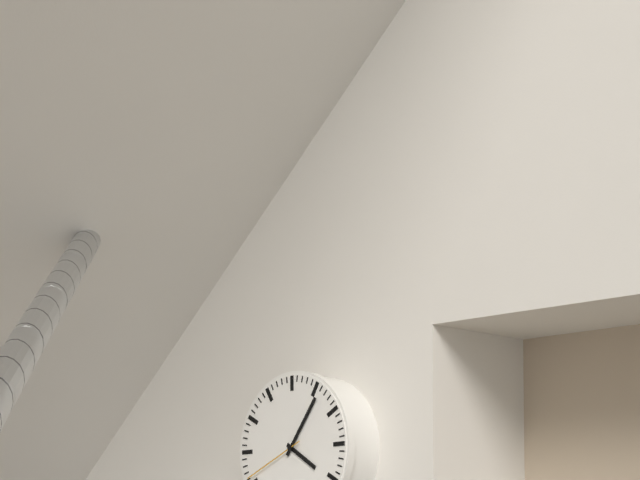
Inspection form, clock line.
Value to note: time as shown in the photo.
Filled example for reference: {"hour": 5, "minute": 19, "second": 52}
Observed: {"hour": 4, "minute": 6, "second": 41}
